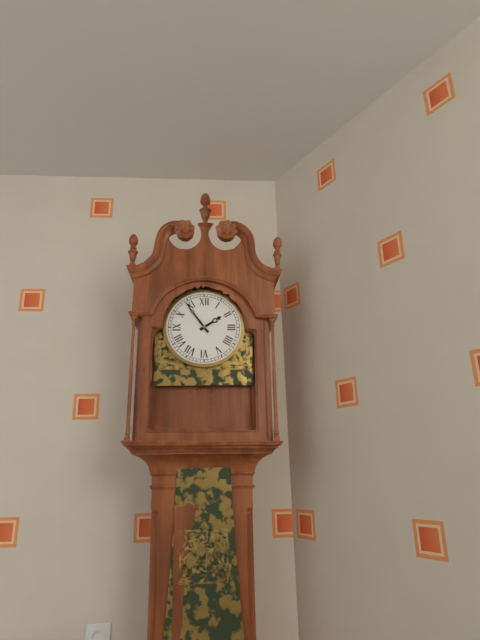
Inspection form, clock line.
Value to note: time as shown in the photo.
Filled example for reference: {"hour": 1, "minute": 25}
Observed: {"hour": 1, "minute": 54}
